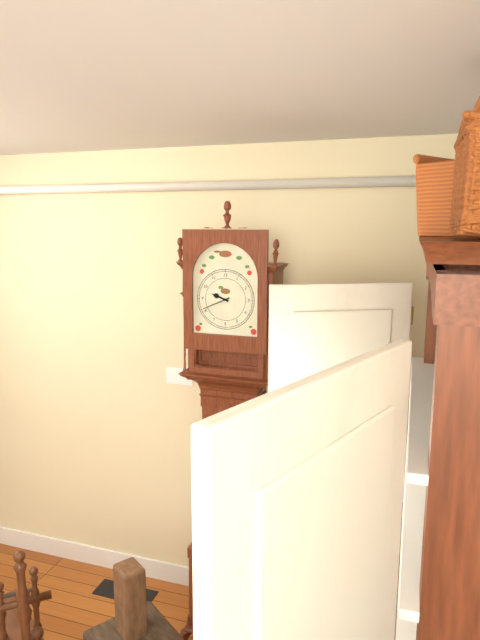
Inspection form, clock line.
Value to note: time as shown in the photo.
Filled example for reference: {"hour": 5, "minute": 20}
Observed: {"hour": 9, "minute": 41}
